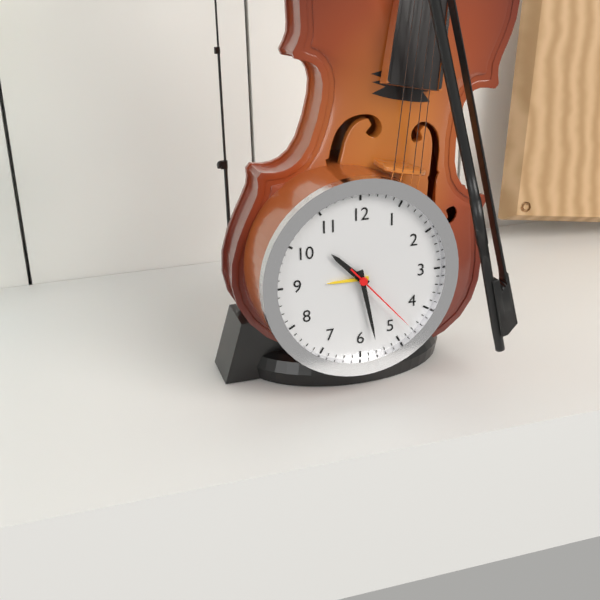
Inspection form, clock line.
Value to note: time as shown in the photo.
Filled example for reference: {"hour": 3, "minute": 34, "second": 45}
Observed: {"hour": 10, "minute": 28, "second": 23}
